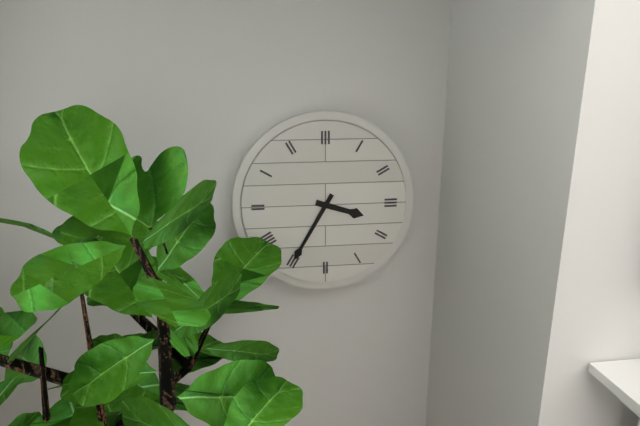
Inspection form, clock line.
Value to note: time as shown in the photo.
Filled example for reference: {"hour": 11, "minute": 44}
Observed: {"hour": 3, "minute": 35}
